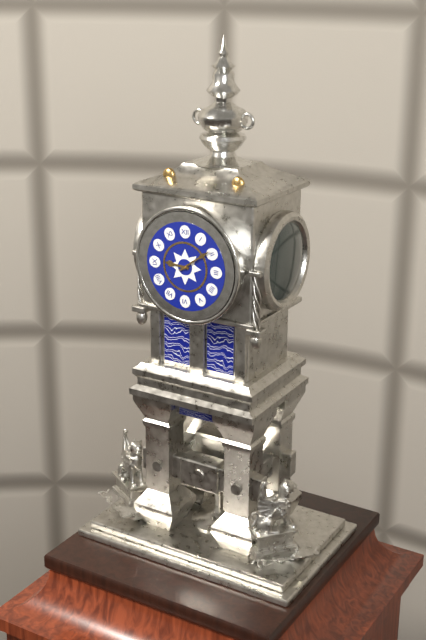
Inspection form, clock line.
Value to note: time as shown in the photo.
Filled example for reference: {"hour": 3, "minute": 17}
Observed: {"hour": 9, "minute": 9}
